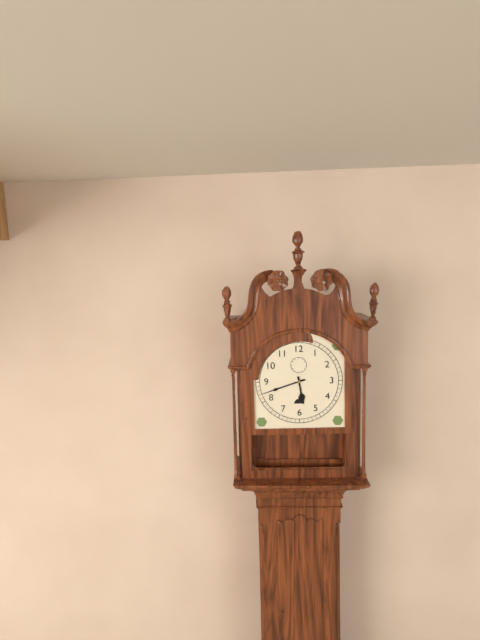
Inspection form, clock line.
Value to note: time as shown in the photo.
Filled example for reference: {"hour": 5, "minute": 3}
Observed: {"hour": 5, "minute": 42}
